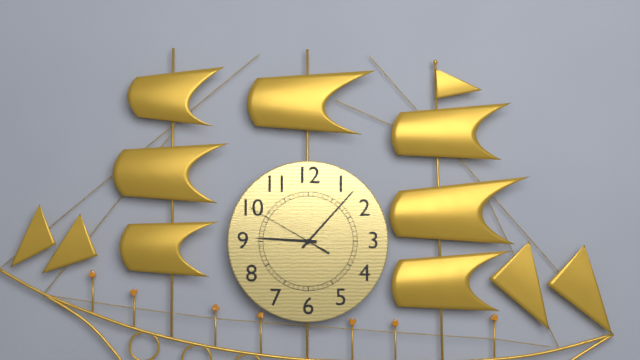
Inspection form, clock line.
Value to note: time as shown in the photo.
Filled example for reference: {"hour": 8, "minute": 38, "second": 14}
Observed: {"hour": 9, "minute": 7, "second": 50}
